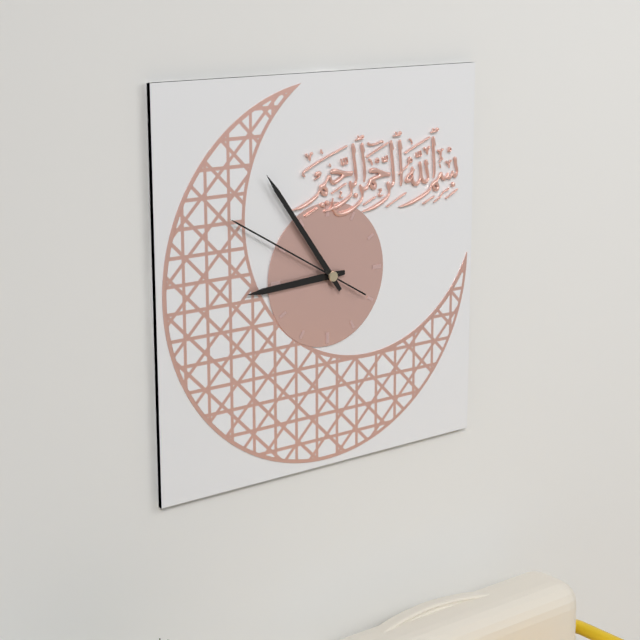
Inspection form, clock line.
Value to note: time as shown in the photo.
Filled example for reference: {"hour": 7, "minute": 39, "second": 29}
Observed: {"hour": 8, "minute": 54, "second": 50}
